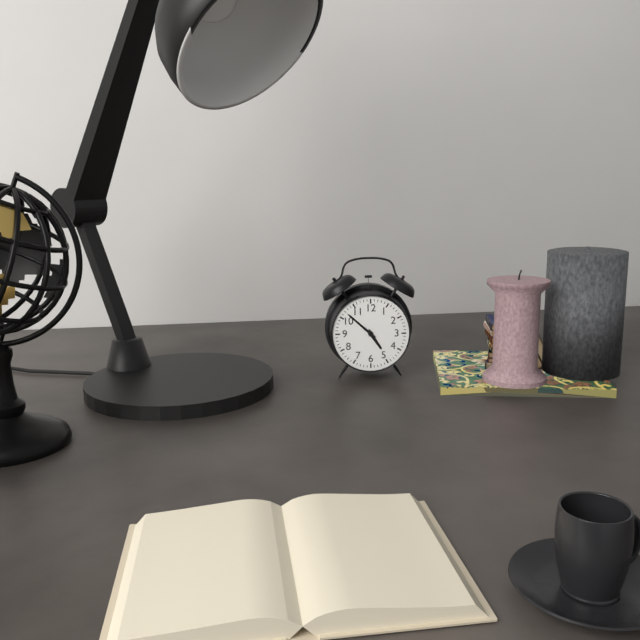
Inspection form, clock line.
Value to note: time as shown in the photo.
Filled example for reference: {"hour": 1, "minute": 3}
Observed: {"hour": 4, "minute": 52}
